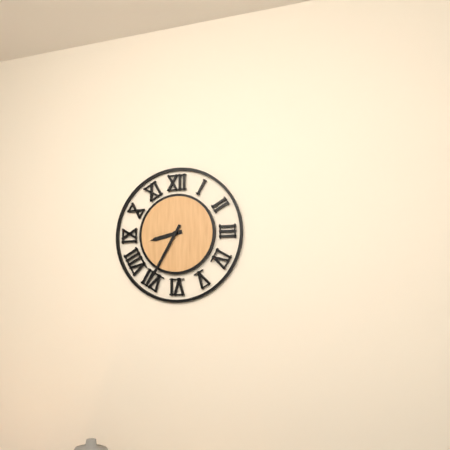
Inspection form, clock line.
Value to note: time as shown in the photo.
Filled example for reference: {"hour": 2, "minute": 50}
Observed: {"hour": 8, "minute": 35}
